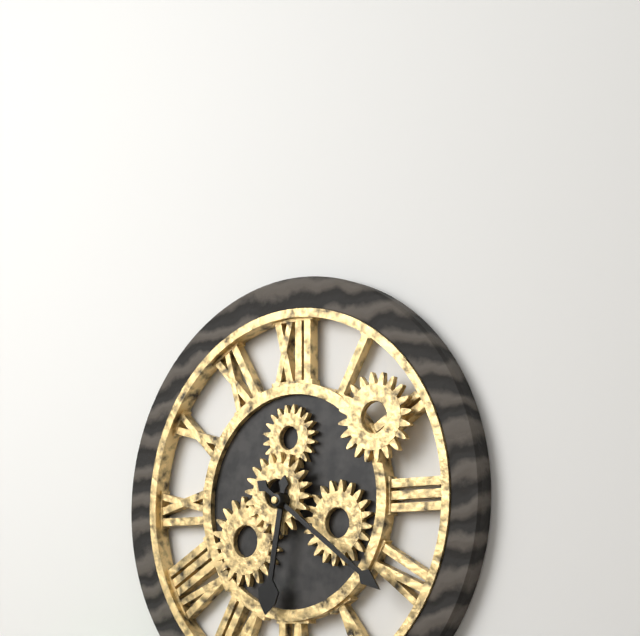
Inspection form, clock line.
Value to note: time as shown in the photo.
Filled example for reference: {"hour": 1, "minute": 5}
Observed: {"hour": 6, "minute": 21}
